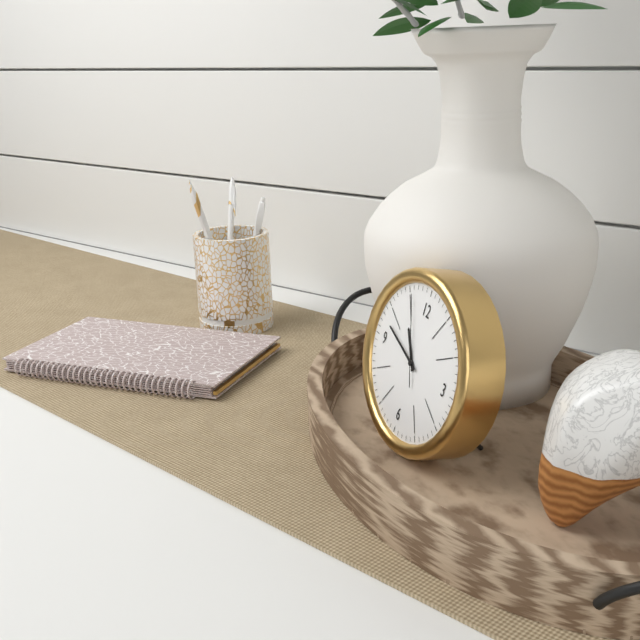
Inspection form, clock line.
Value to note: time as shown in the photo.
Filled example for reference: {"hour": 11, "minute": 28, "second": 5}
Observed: {"hour": 10, "minute": 48, "second": 56}
